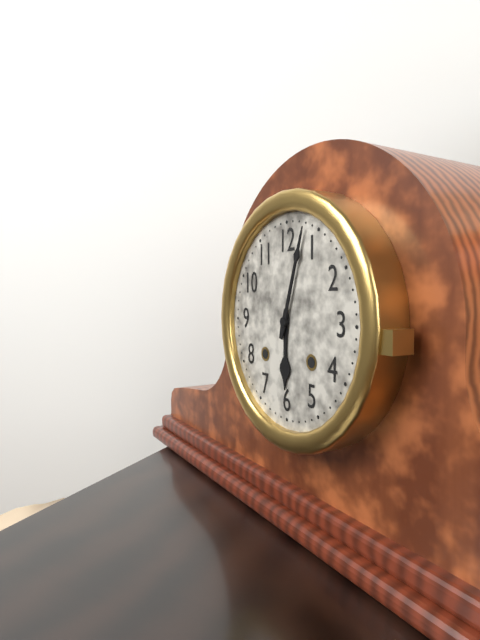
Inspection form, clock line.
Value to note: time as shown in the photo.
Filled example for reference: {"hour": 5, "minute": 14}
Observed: {"hour": 6, "minute": 3}
